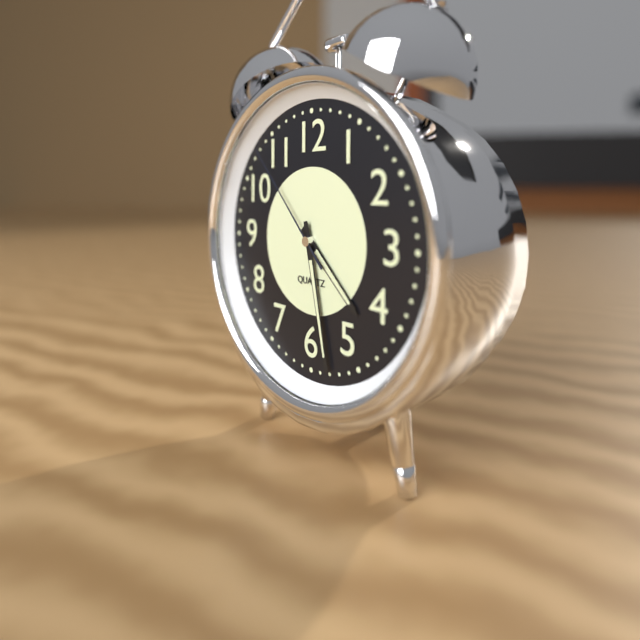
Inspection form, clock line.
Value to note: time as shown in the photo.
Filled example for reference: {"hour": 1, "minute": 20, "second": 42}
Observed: {"hour": 4, "minute": 28, "second": 53}
